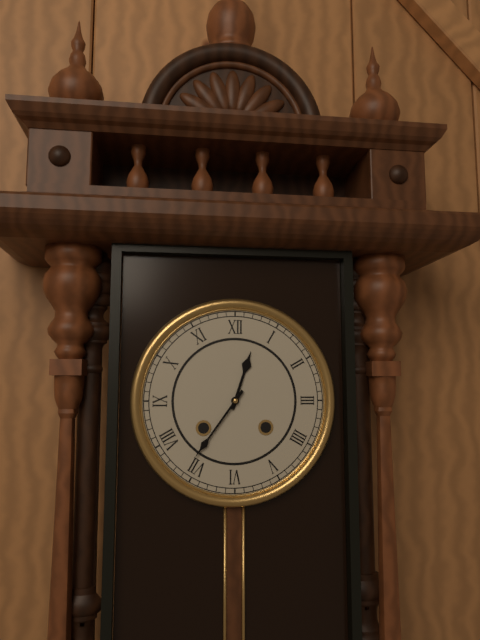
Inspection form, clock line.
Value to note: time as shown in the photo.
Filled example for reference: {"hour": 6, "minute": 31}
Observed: {"hour": 12, "minute": 36}
